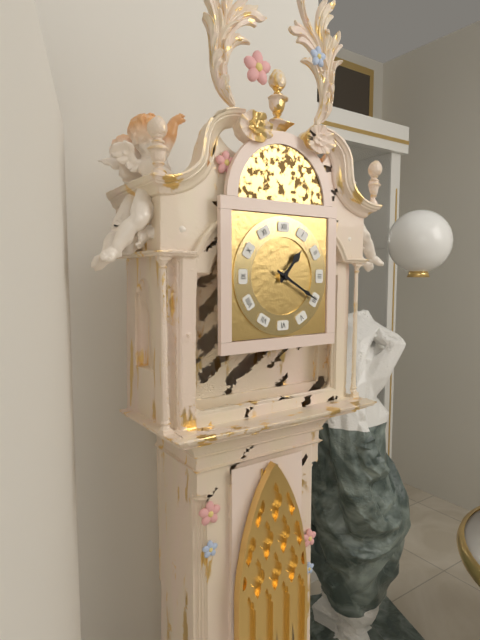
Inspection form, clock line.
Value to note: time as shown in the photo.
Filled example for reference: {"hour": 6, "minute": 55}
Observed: {"hour": 1, "minute": 20}
